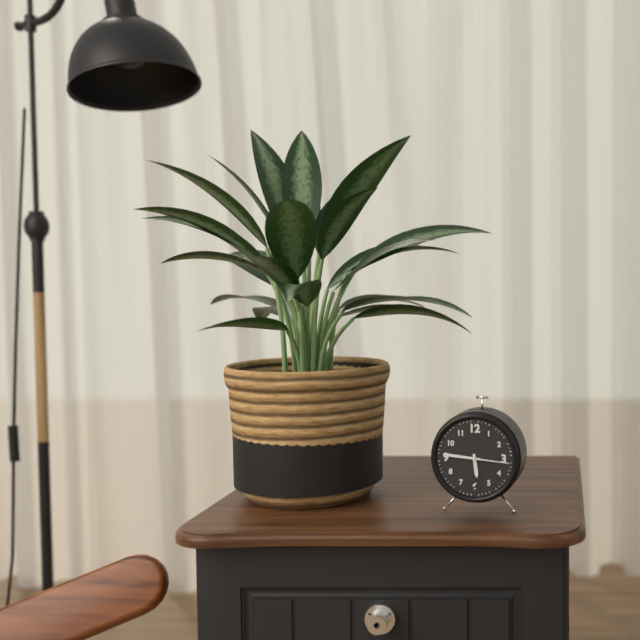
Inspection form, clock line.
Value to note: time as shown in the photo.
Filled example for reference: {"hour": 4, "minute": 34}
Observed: {"hour": 5, "minute": 46}
